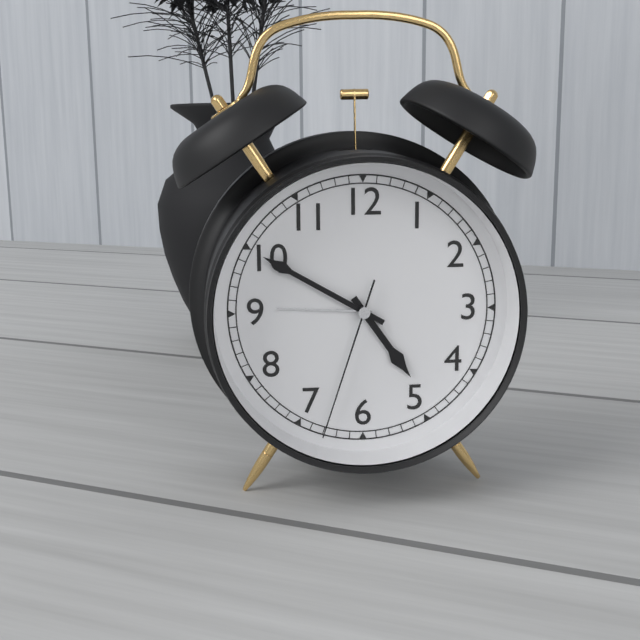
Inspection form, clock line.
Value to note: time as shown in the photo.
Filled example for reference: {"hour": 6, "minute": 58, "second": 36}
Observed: {"hour": 4, "minute": 50, "second": 33}
